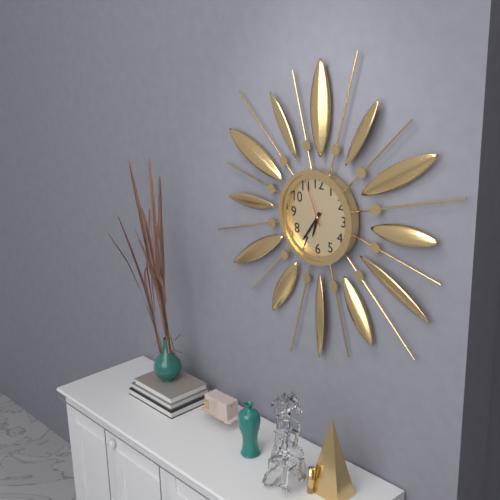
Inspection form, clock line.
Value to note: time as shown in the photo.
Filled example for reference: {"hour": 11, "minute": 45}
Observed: {"hour": 6, "minute": 36}
